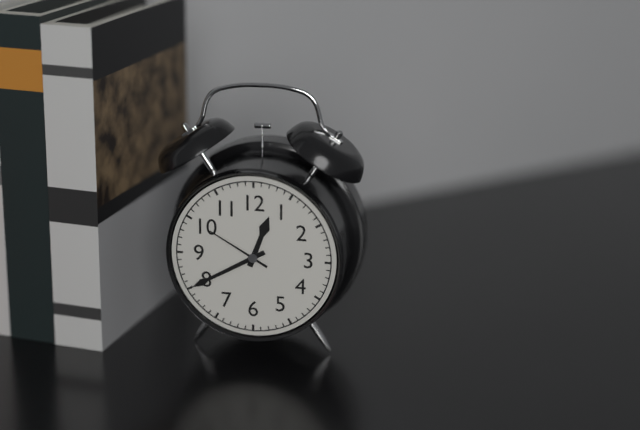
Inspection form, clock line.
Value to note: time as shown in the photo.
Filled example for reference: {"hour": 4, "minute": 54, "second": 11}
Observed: {"hour": 12, "minute": 40, "second": 50}
